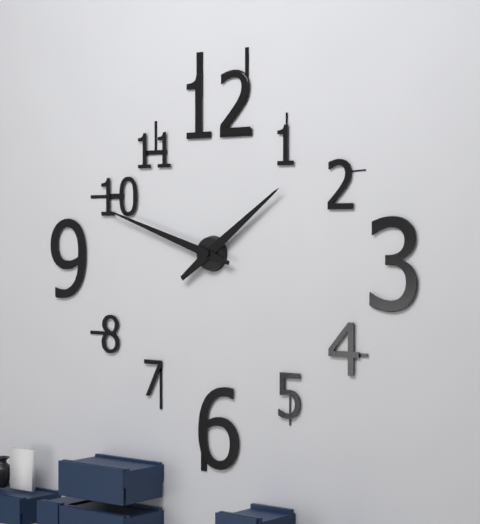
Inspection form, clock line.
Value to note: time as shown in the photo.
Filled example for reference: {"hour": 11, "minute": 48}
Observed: {"hour": 1, "minute": 48}
